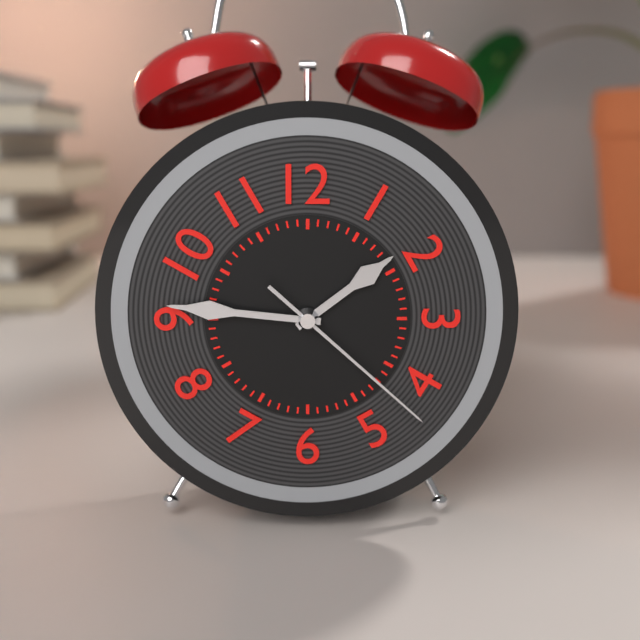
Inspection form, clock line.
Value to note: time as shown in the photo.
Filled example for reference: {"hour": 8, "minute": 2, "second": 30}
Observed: {"hour": 1, "minute": 46, "second": 22}
